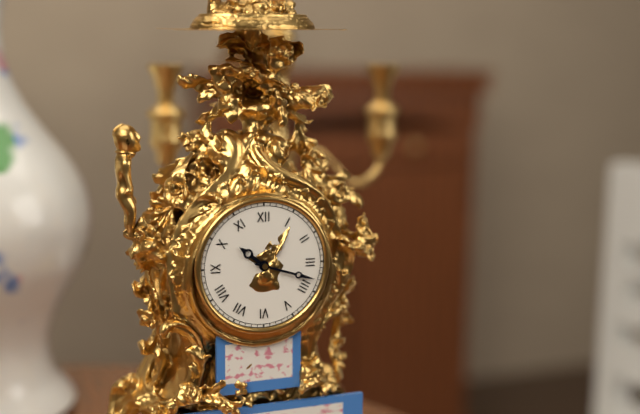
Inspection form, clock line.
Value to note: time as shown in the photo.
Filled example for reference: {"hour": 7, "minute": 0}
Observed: {"hour": 10, "minute": 18}
